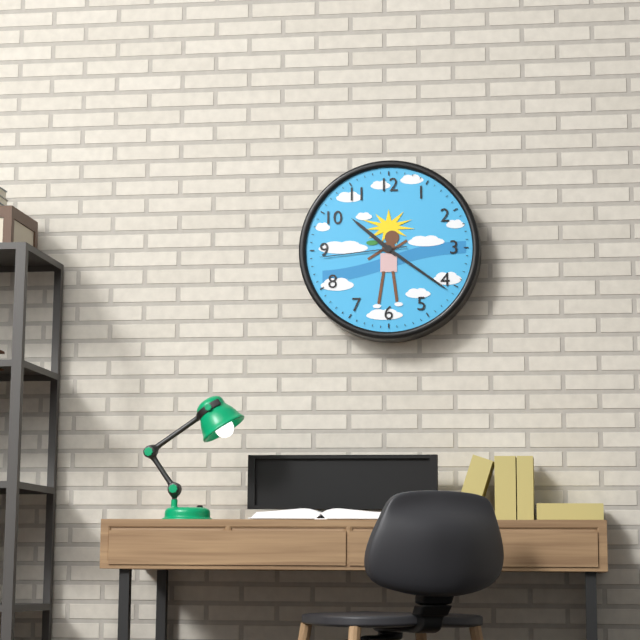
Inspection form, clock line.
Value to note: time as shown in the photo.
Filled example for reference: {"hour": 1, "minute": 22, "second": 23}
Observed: {"hour": 10, "minute": 21, "second": 44}
